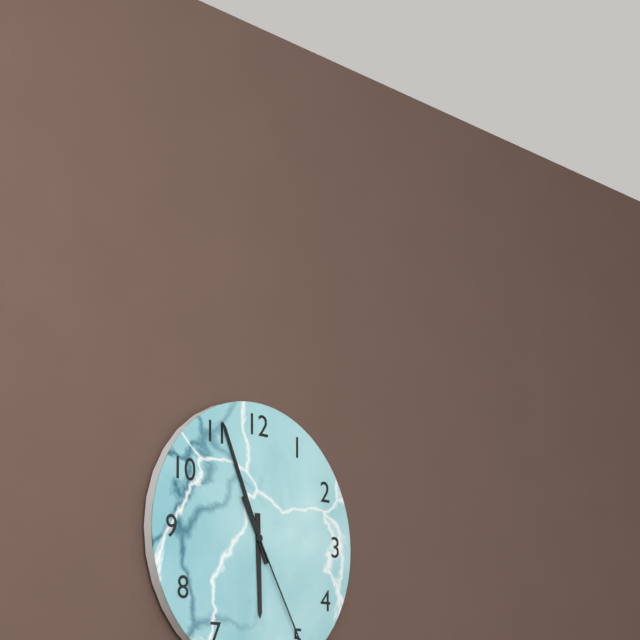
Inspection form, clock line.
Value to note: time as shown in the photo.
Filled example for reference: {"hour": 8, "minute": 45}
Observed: {"hour": 5, "minute": 56}
